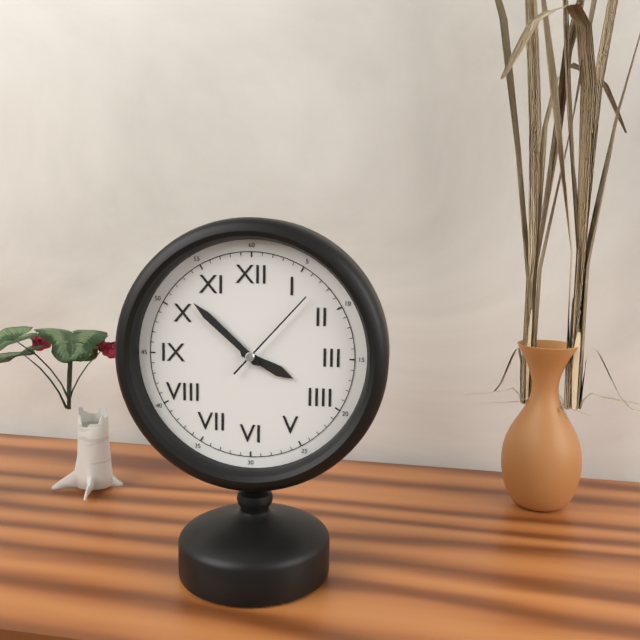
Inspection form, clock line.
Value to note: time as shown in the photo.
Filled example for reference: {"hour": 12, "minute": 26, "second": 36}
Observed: {"hour": 3, "minute": 52, "second": 7}
